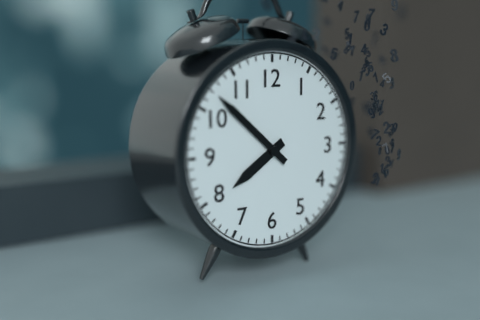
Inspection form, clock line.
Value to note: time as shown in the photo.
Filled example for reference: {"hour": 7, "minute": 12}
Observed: {"hour": 7, "minute": 52}
